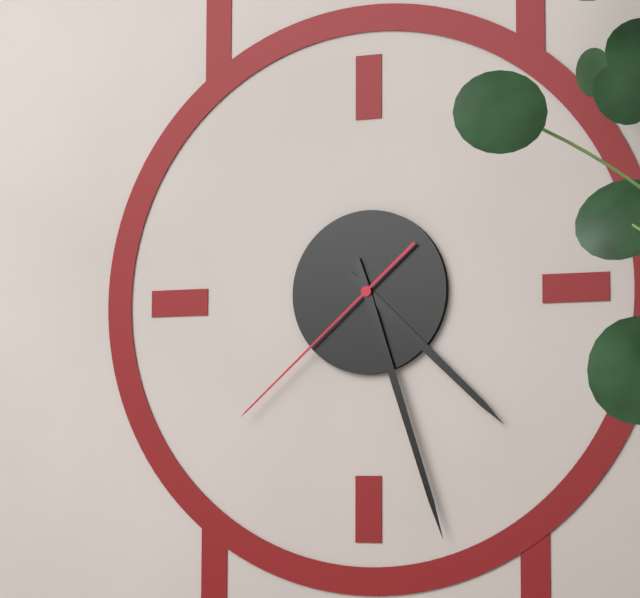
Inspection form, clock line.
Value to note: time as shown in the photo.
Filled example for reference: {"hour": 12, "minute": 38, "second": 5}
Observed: {"hour": 4, "minute": 27, "second": 38}
